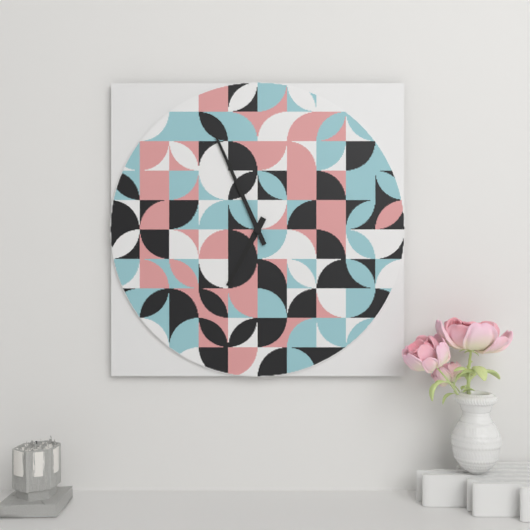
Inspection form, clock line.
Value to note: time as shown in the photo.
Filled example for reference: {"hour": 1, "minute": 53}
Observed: {"hour": 6, "minute": 56}
